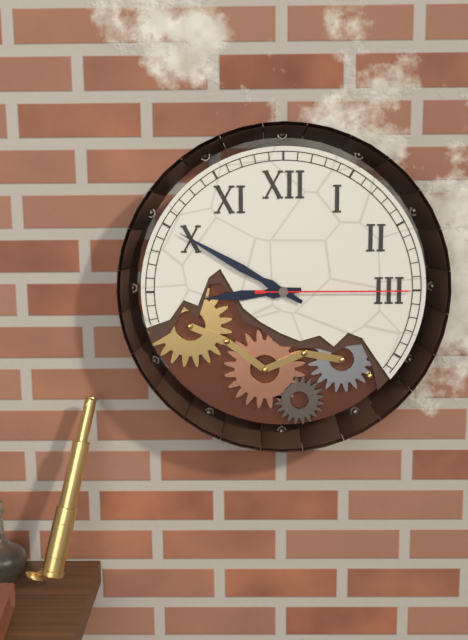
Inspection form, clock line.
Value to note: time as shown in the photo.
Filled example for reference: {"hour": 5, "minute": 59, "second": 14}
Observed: {"hour": 8, "minute": 50, "second": 15}
